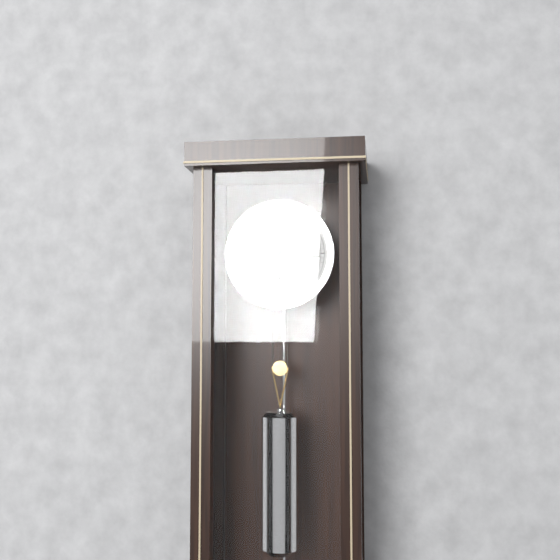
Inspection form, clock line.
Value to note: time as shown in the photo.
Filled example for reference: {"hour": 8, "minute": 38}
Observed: {"hour": 12, "minute": 39}
